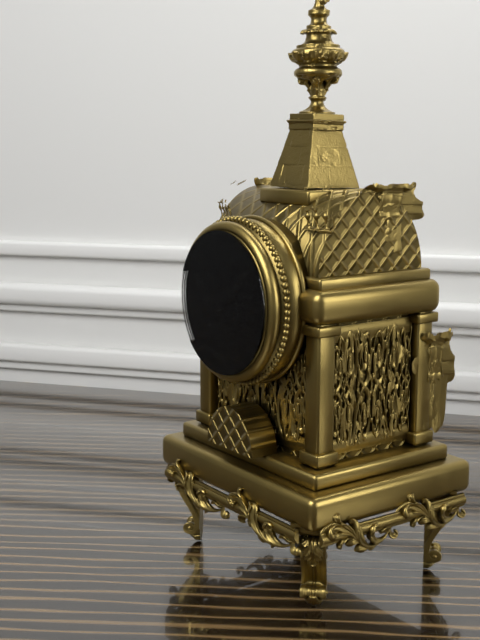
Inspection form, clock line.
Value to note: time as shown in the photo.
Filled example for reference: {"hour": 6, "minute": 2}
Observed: {"hour": 4, "minute": 45}
